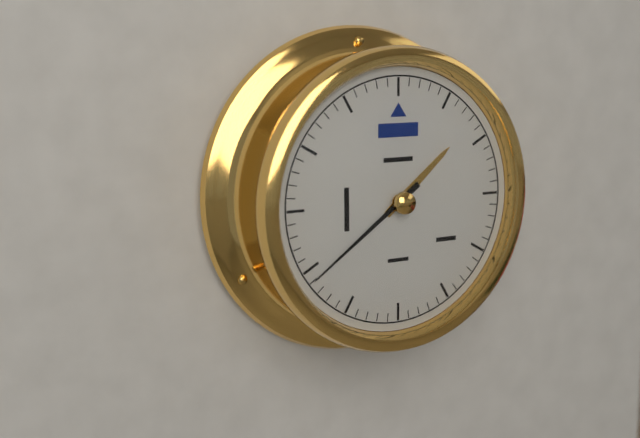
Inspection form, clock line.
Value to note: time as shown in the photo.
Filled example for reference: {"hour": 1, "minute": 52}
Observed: {"hour": 1, "minute": 39}
